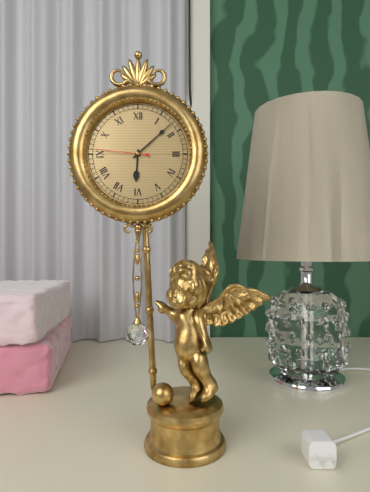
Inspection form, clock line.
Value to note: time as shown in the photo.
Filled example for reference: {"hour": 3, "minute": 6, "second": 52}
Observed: {"hour": 6, "minute": 8, "second": 46}
